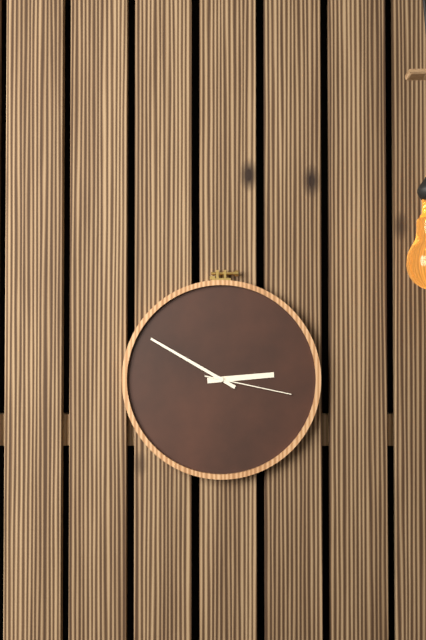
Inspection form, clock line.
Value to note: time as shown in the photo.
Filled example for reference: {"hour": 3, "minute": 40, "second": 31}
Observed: {"hour": 2, "minute": 50, "second": 17}
